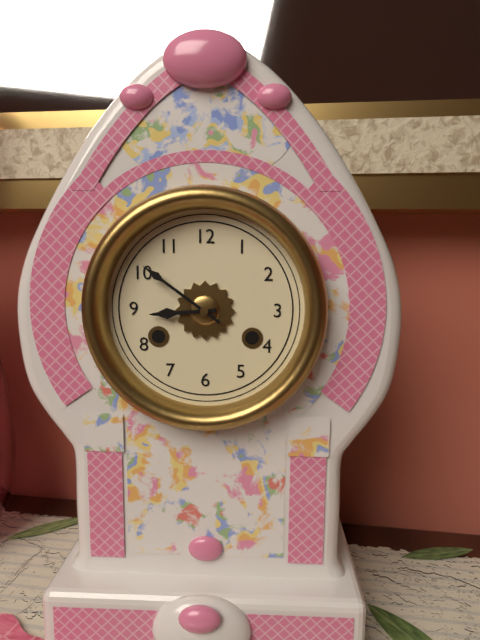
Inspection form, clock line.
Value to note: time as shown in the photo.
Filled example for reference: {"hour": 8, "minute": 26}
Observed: {"hour": 8, "minute": 51}
